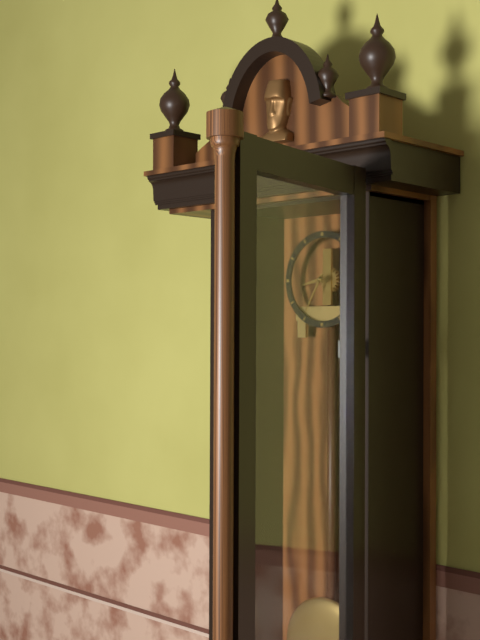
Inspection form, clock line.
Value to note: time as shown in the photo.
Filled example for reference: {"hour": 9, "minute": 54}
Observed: {"hour": 8, "minute": 35}
